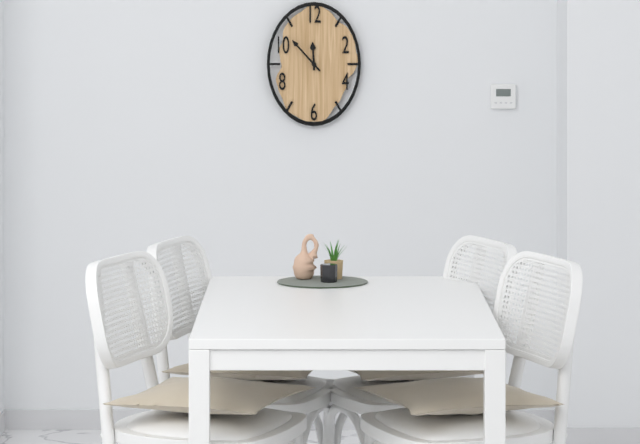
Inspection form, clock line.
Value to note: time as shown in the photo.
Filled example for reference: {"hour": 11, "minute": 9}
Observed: {"hour": 11, "minute": 53}
